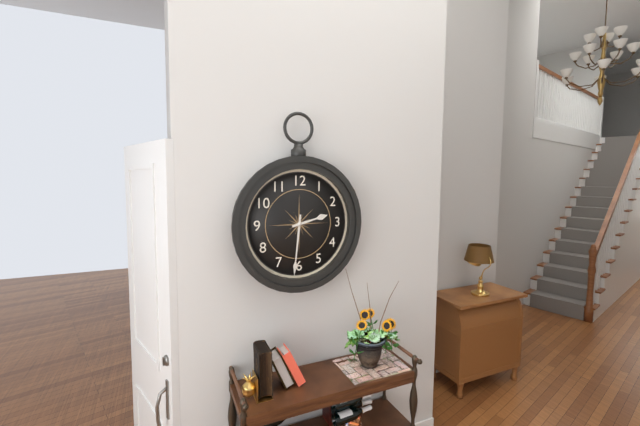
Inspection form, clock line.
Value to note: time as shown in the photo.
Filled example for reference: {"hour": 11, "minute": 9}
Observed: {"hour": 2, "minute": 31}
